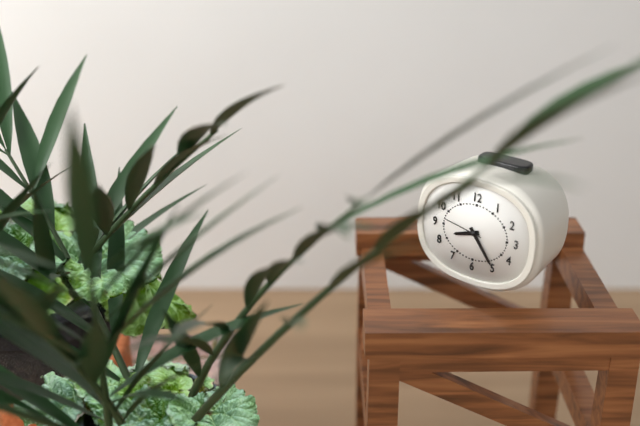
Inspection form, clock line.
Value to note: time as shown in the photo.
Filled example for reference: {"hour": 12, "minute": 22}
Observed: {"hour": 8, "minute": 24}
